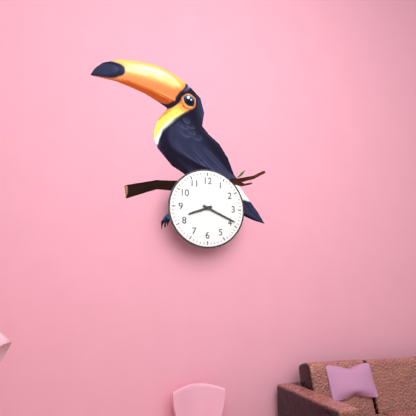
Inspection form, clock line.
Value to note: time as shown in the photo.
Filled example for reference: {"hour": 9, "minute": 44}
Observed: {"hour": 8, "minute": 19}
